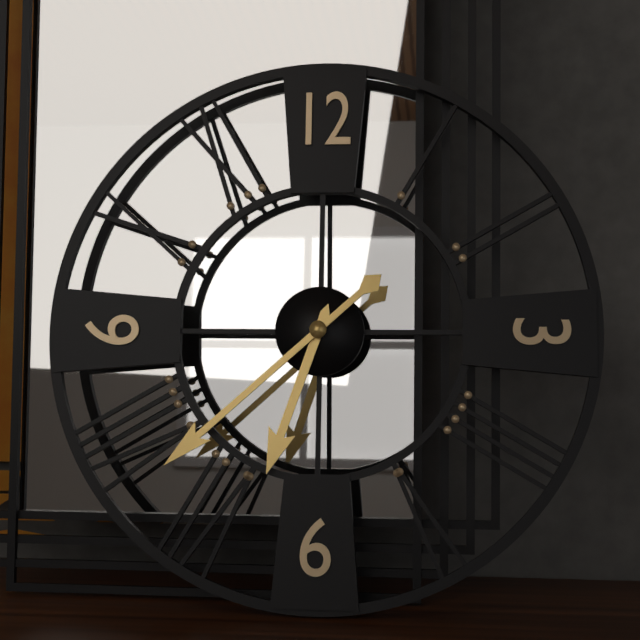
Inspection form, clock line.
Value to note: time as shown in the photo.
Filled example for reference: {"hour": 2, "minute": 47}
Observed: {"hour": 6, "minute": 38}
